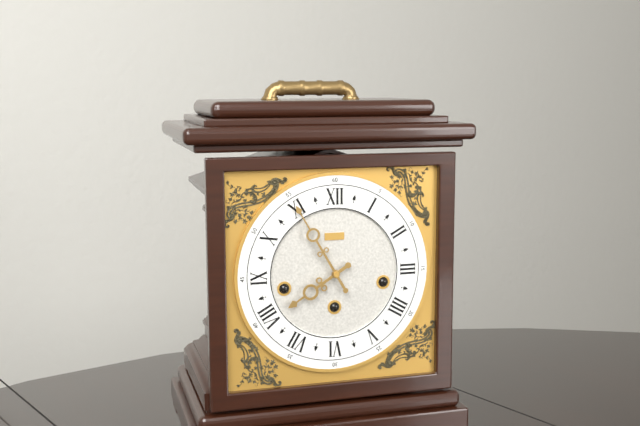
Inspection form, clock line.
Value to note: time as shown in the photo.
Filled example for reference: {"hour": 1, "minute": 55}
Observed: {"hour": 7, "minute": 55}
